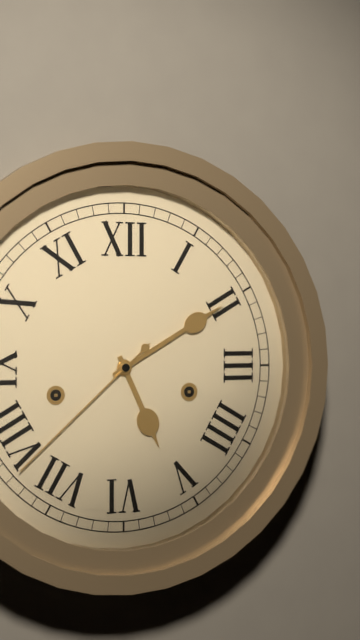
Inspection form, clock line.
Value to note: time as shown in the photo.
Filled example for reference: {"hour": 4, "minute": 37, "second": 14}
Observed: {"hour": 5, "minute": 10, "second": 38}
